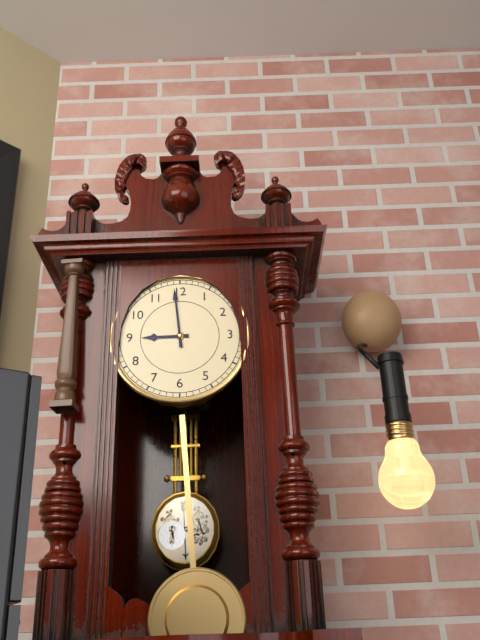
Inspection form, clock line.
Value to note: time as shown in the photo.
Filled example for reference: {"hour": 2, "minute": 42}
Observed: {"hour": 8, "minute": 59}
